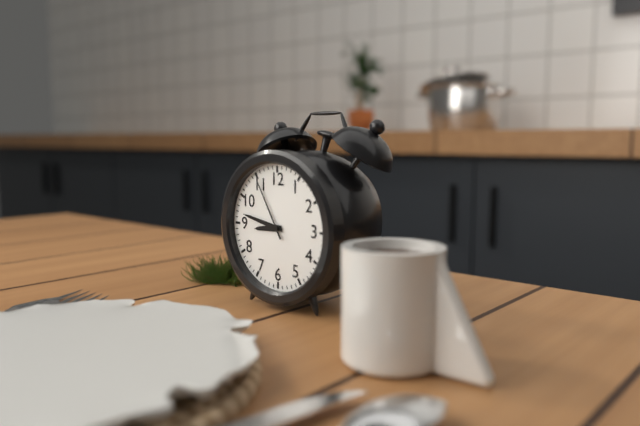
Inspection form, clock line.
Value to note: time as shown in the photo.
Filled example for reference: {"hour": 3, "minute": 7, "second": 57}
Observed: {"hour": 8, "minute": 47, "second": 55}
